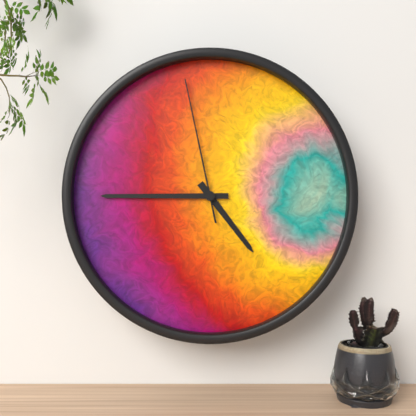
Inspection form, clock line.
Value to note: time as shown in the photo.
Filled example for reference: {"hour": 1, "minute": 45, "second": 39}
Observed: {"hour": 4, "minute": 45, "second": 58}
